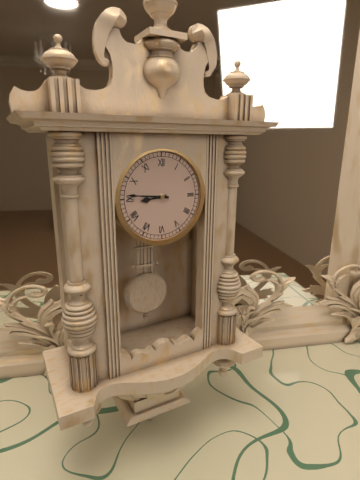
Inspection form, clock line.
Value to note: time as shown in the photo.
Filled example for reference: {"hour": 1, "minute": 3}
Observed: {"hour": 8, "minute": 46}
